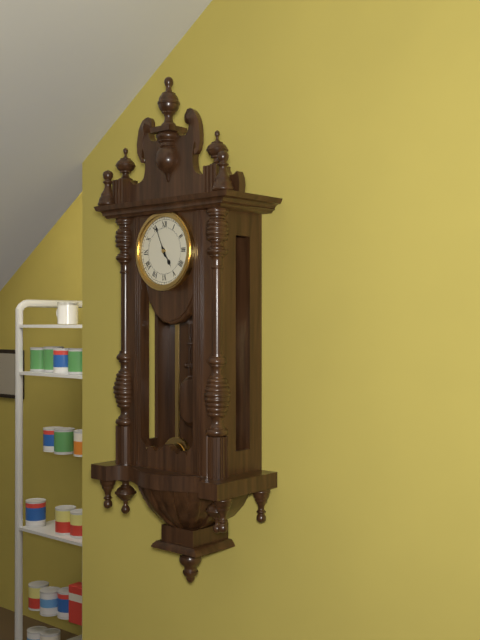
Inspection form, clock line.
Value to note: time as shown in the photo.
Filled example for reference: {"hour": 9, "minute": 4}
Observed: {"hour": 4, "minute": 56}
